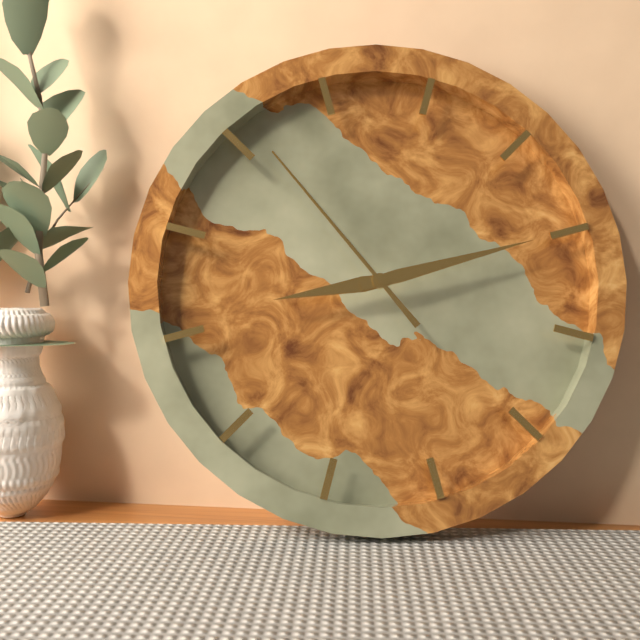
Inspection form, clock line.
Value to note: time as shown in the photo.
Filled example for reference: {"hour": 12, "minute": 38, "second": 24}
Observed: {"hour": 8, "minute": 10, "second": 51}
